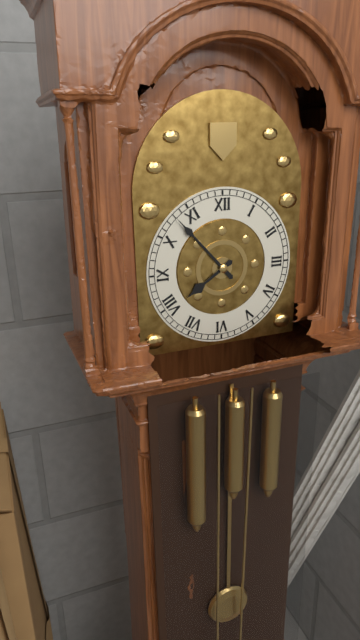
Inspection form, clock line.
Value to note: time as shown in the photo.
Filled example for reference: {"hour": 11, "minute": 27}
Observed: {"hour": 7, "minute": 53}
